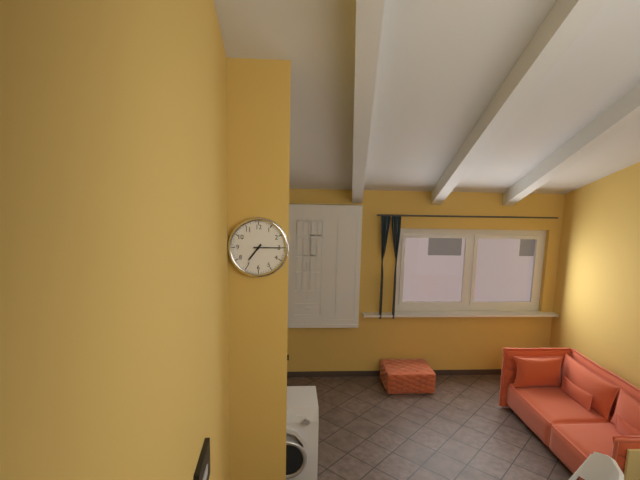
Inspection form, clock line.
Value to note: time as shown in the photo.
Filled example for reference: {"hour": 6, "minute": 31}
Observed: {"hour": 7, "minute": 15}
